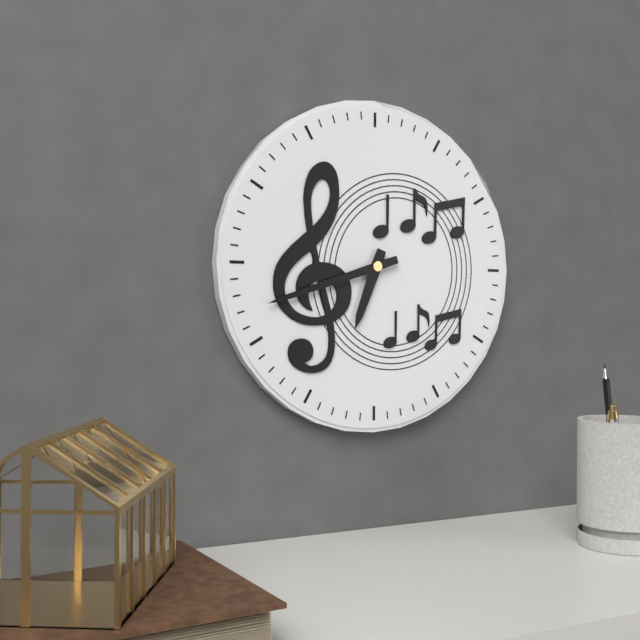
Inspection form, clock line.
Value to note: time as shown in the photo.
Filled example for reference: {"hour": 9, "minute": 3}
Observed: {"hour": 6, "minute": 42}
